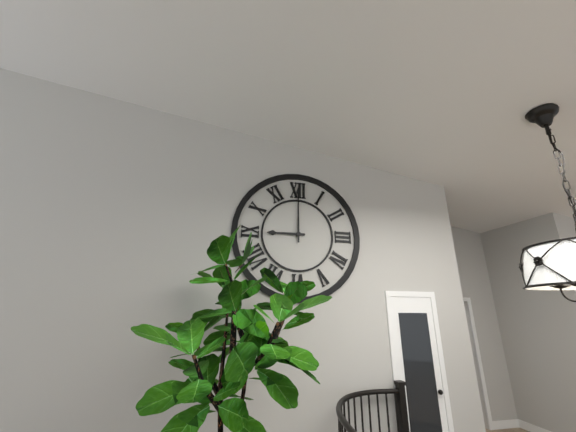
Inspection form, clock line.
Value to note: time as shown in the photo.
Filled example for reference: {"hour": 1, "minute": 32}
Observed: {"hour": 9, "minute": 0}
